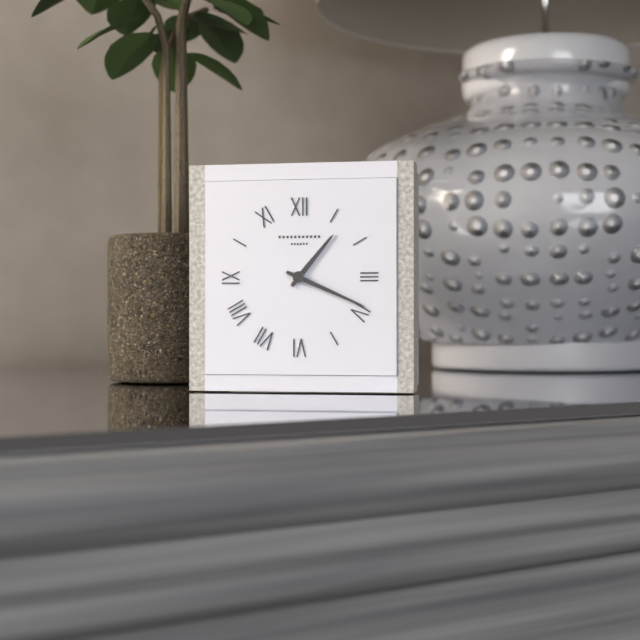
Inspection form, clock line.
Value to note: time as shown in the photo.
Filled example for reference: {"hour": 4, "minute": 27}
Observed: {"hour": 1, "minute": 19}
